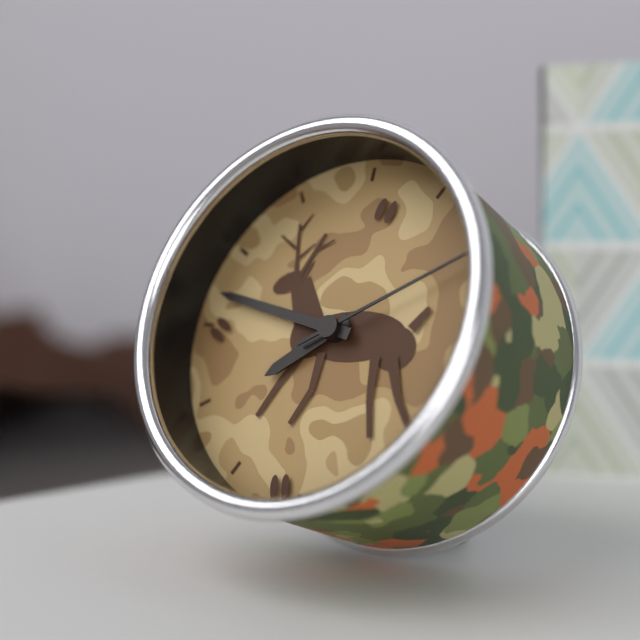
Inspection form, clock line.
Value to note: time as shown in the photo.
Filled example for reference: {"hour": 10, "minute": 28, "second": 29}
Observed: {"hour": 7, "minute": 47, "second": 10}
